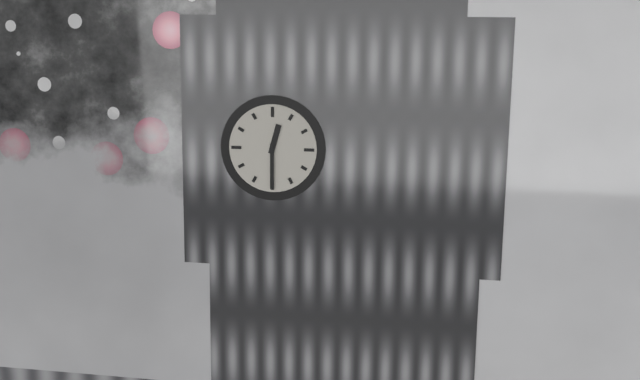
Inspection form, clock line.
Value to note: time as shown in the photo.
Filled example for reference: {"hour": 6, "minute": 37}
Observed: {"hour": 12, "minute": 30}
